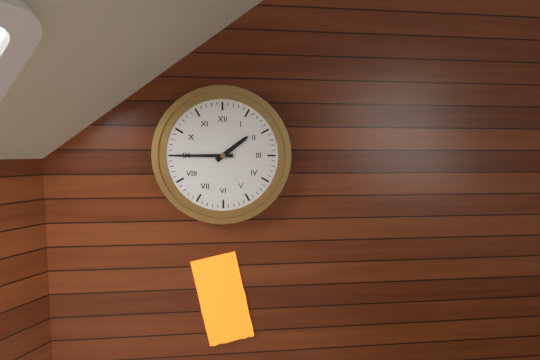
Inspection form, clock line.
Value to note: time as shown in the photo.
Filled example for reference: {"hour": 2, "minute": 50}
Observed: {"hour": 1, "minute": 45}
